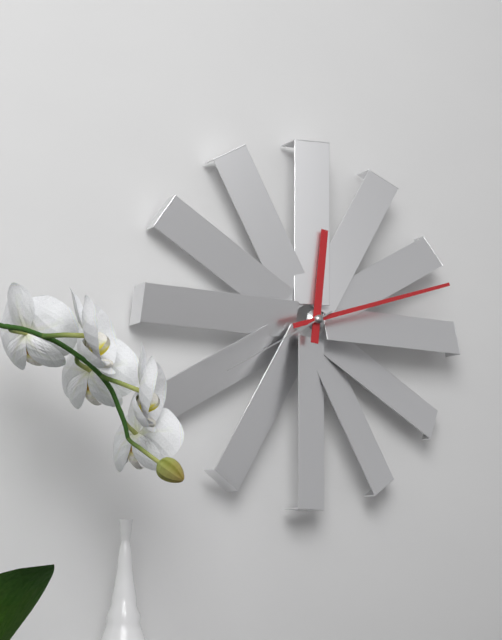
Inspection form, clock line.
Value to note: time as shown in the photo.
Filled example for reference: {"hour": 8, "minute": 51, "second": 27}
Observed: {"hour": 12, "minute": 12, "second": 40}
